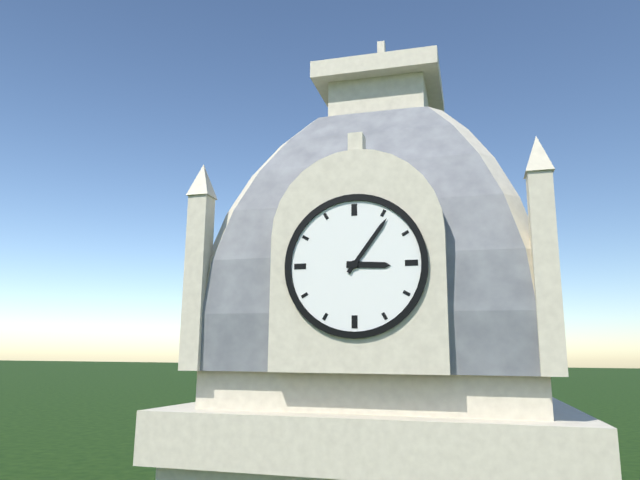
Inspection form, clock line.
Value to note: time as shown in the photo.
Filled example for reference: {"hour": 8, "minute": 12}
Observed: {"hour": 3, "minute": 6}
